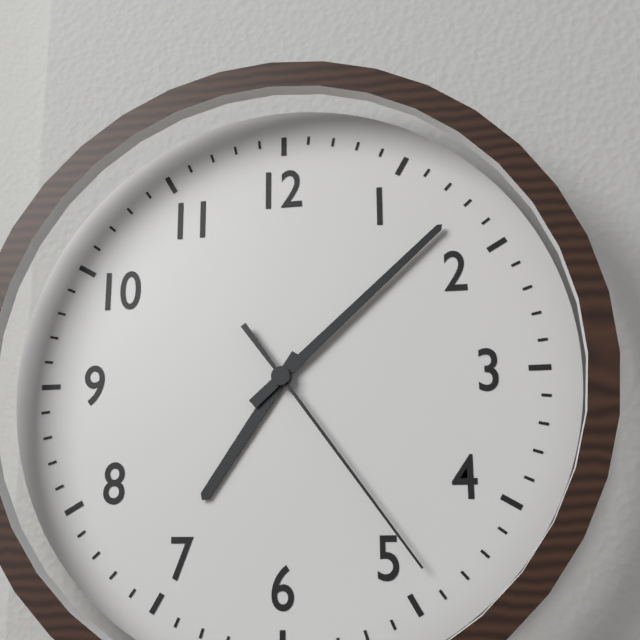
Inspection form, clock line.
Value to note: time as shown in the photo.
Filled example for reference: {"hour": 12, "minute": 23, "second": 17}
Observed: {"hour": 7, "minute": 8, "second": 24}
